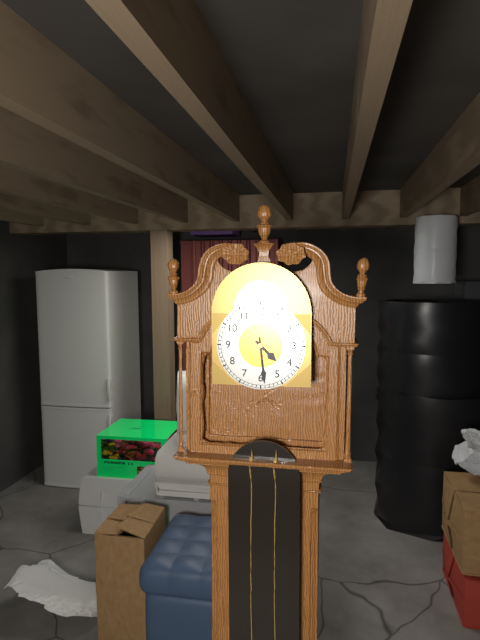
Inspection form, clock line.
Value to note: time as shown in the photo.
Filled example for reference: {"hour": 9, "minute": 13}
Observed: {"hour": 4, "minute": 29}
